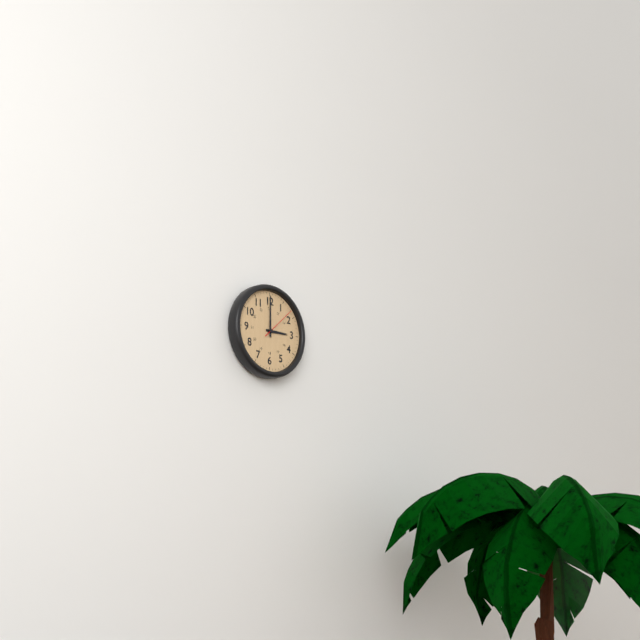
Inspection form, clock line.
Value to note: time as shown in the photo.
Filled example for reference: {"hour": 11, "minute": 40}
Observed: {"hour": 3, "minute": 0}
